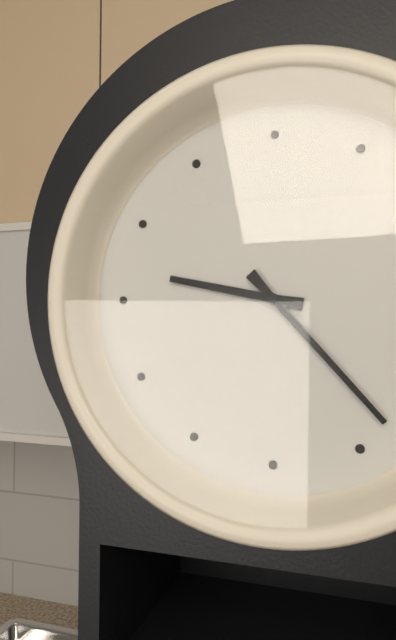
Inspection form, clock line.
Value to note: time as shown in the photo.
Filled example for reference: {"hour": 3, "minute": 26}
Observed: {"hour": 9, "minute": 23}
